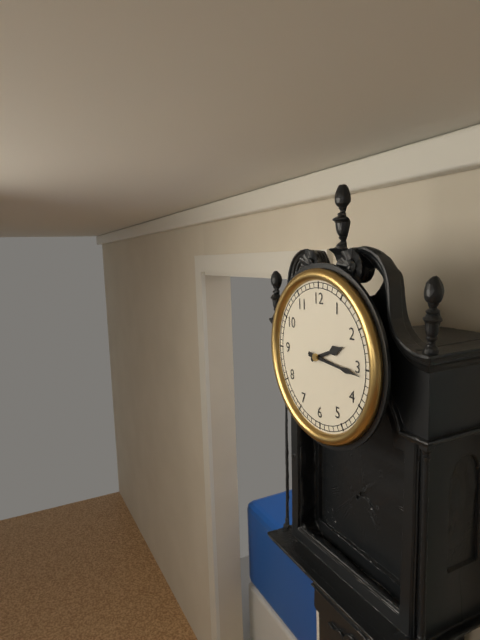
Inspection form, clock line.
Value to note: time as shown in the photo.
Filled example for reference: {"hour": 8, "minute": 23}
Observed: {"hour": 2, "minute": 16}
